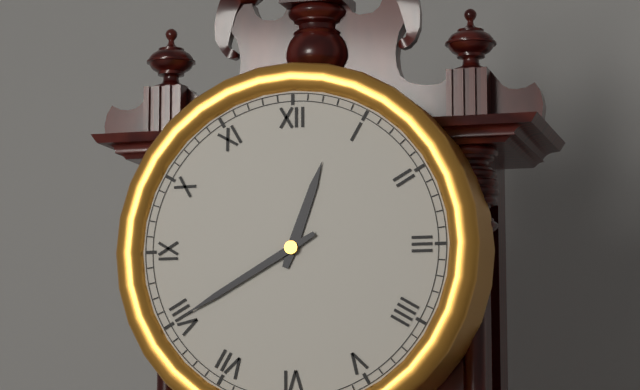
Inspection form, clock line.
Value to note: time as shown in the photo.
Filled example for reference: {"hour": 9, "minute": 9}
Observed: {"hour": 12, "minute": 40}
